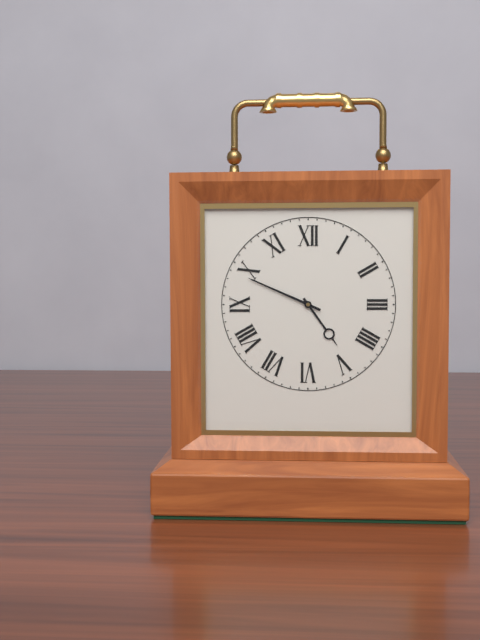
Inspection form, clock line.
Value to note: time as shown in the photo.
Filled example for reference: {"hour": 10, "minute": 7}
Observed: {"hour": 4, "minute": 49}
